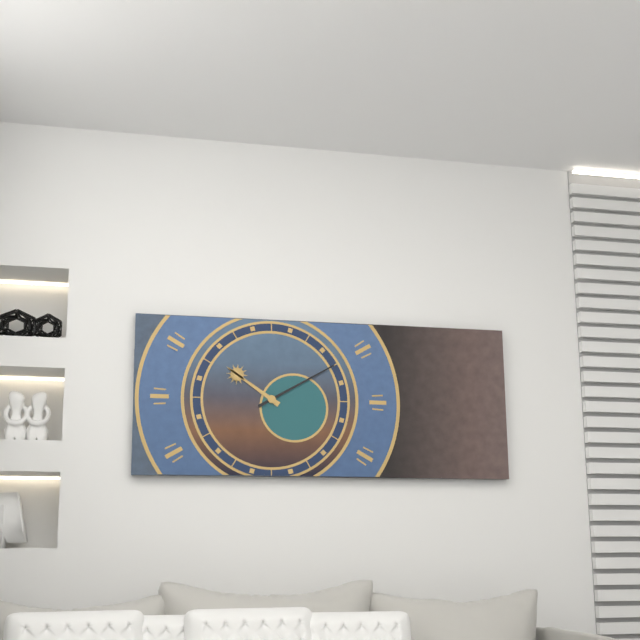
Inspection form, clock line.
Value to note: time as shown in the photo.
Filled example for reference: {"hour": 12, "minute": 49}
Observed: {"hour": 10, "minute": 10}
